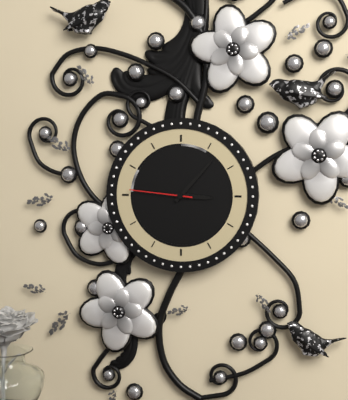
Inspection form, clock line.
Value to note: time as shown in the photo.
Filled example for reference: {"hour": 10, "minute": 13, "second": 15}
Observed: {"hour": 3, "minute": 7, "second": 46}
